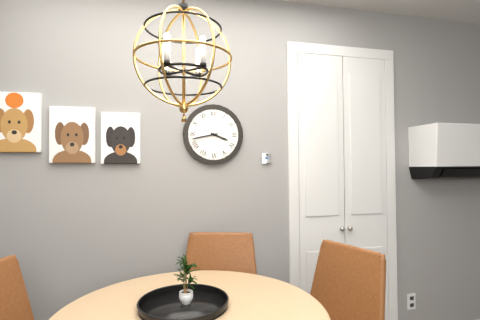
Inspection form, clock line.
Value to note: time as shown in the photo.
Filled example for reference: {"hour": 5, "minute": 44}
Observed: {"hour": 3, "minute": 43}
